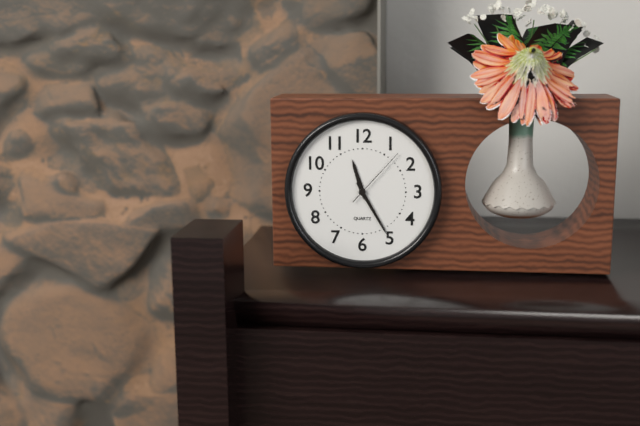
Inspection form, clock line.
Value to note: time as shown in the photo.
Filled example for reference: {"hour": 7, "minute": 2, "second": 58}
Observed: {"hour": 11, "minute": 25, "second": 7}
